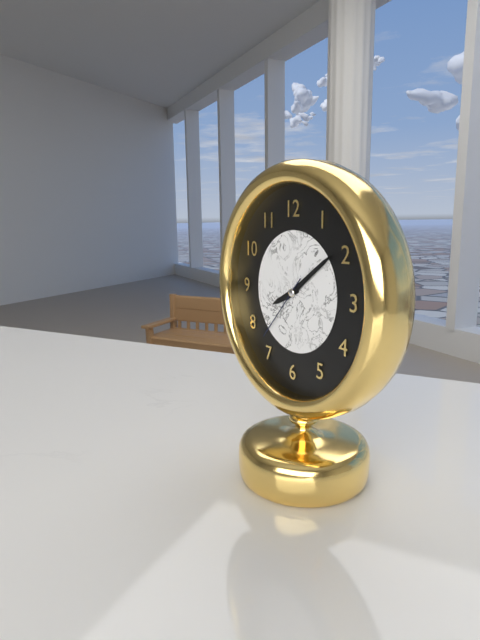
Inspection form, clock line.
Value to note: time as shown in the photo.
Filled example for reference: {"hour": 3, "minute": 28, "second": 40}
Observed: {"hour": 8, "minute": 9, "second": 37}
